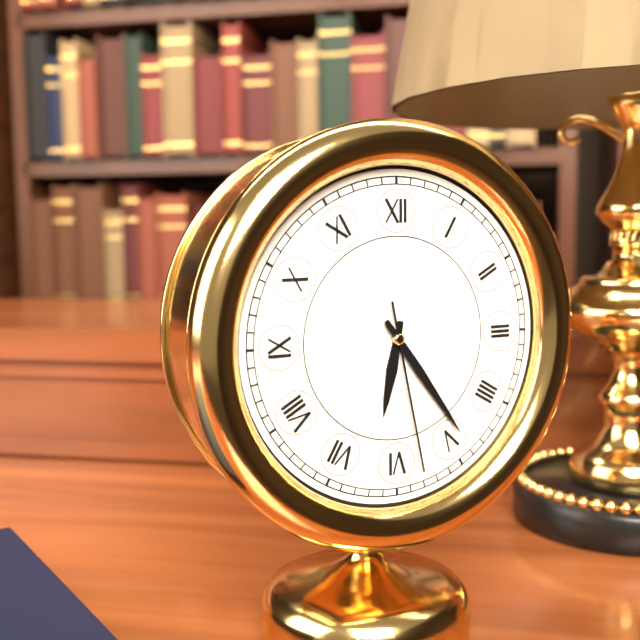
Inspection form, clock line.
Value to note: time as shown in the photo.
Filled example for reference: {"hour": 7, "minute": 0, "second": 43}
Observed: {"hour": 6, "minute": 24, "second": 28}
